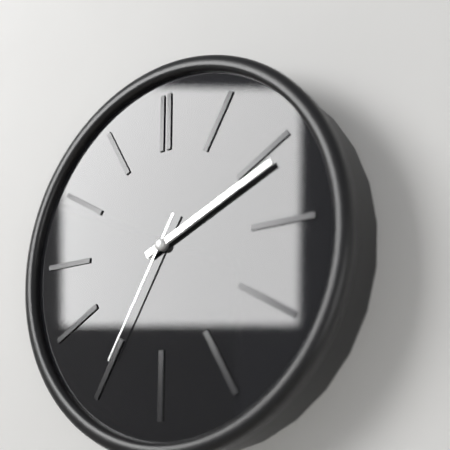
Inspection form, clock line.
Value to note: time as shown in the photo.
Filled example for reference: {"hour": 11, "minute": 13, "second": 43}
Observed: {"hour": 2, "minute": 11, "second": 35}
